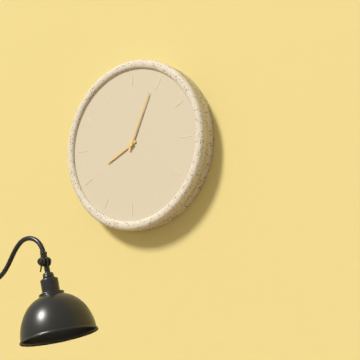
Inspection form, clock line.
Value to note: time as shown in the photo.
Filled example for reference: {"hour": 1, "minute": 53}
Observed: {"hour": 8, "minute": 4}
